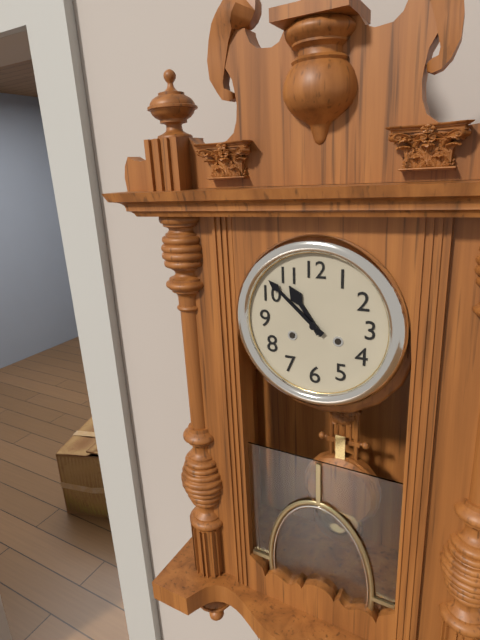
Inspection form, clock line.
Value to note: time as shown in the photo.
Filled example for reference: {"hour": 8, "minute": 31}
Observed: {"hour": 10, "minute": 52}
